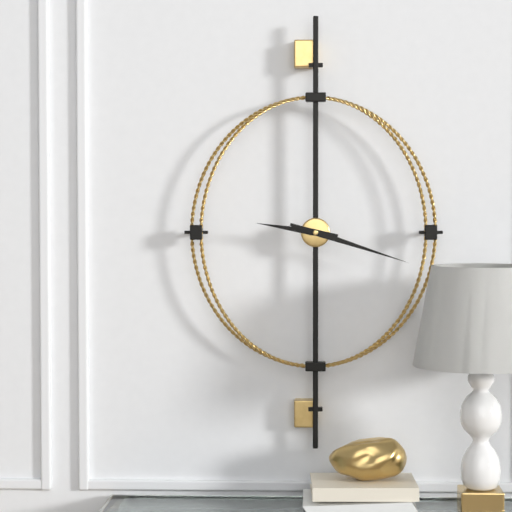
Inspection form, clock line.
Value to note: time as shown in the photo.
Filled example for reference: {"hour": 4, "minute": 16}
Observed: {"hour": 9, "minute": 18}
